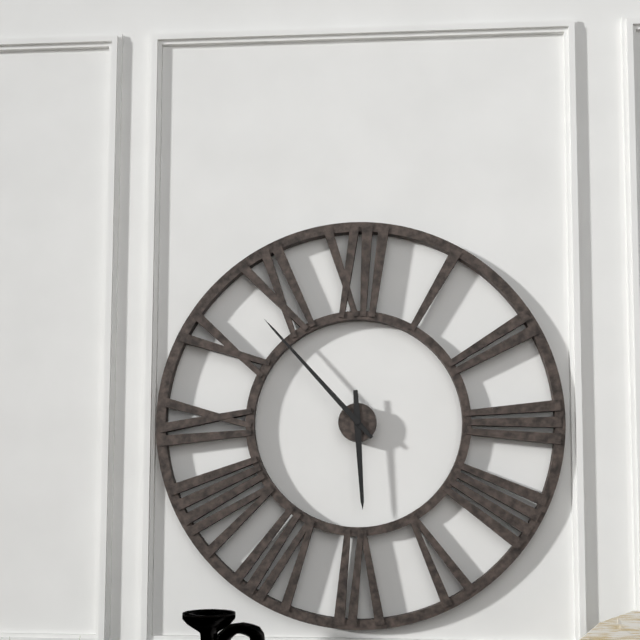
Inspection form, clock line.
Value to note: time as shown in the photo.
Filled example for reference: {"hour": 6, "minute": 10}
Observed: {"hour": 5, "minute": 53}
